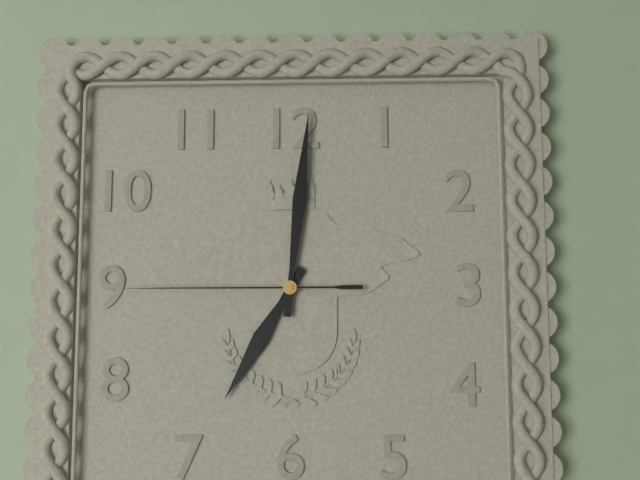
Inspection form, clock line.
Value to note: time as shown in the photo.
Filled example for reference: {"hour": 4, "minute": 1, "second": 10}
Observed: {"hour": 7, "minute": 1, "second": 45}
